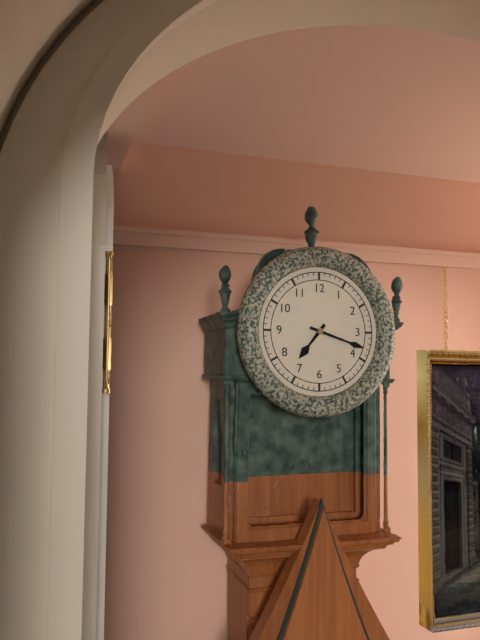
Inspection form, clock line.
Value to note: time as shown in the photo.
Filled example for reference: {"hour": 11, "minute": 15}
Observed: {"hour": 7, "minute": 18}
